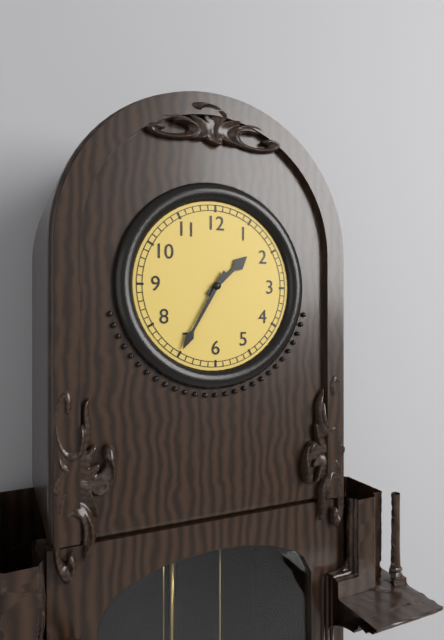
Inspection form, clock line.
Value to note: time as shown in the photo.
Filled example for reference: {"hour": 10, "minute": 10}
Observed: {"hour": 1, "minute": 35}
